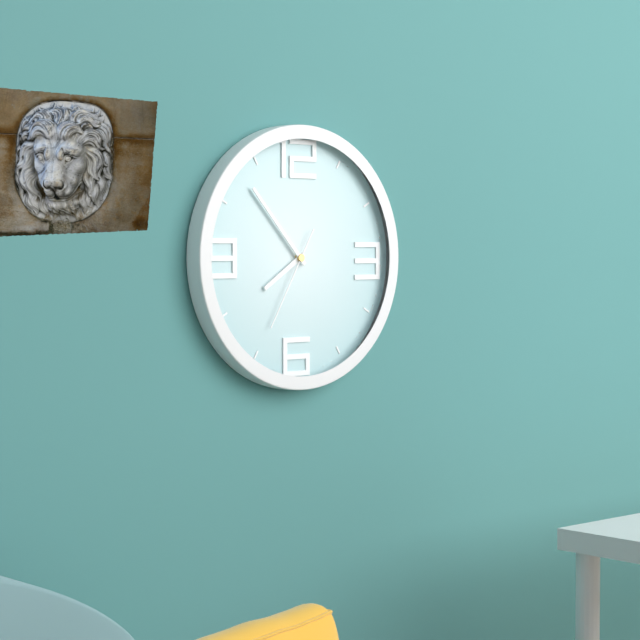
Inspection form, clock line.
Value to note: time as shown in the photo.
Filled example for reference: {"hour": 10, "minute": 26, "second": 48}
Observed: {"hour": 7, "minute": 53, "second": 35}
